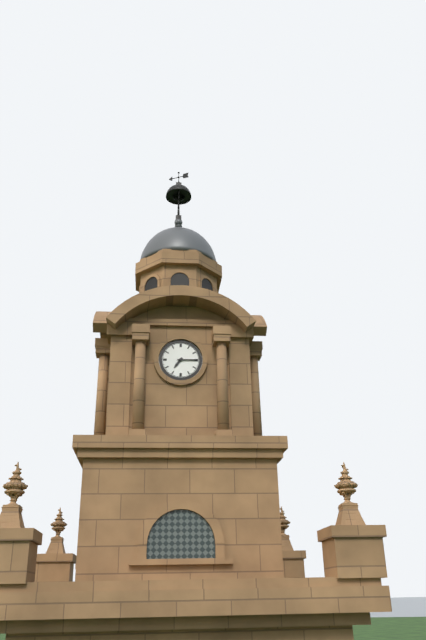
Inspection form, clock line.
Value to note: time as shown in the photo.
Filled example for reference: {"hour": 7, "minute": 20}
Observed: {"hour": 7, "minute": 15}
